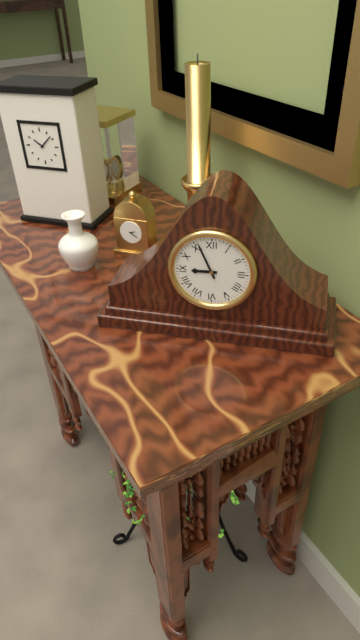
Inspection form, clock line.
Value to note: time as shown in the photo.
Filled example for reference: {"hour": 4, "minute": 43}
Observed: {"hour": 8, "minute": 56}
